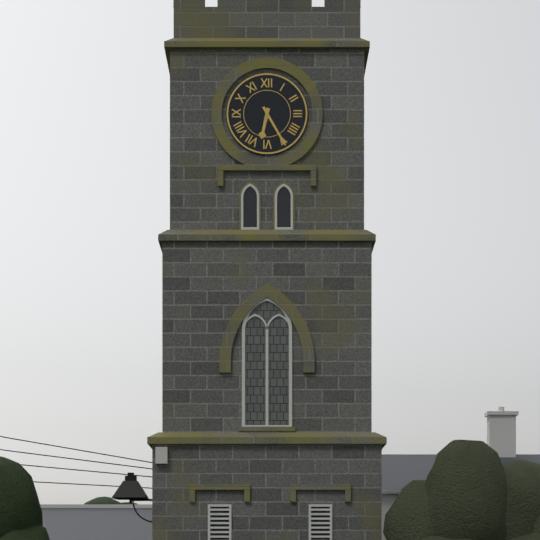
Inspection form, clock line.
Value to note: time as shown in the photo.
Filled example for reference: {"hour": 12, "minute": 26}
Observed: {"hour": 6, "minute": 25}
